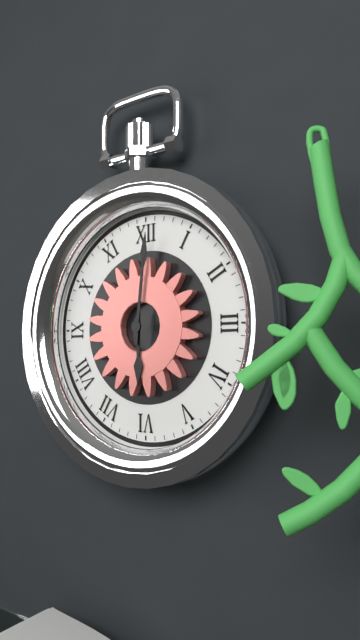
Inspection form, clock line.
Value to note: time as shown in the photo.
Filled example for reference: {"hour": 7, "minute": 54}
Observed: {"hour": 6, "minute": 1}
